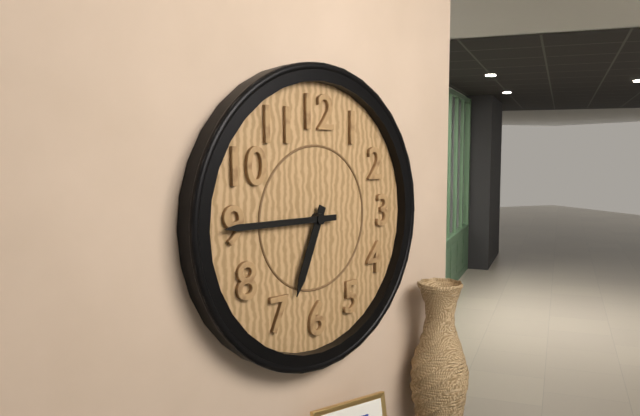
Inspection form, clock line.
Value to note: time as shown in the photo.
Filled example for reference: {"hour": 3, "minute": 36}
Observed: {"hour": 6, "minute": 45}
